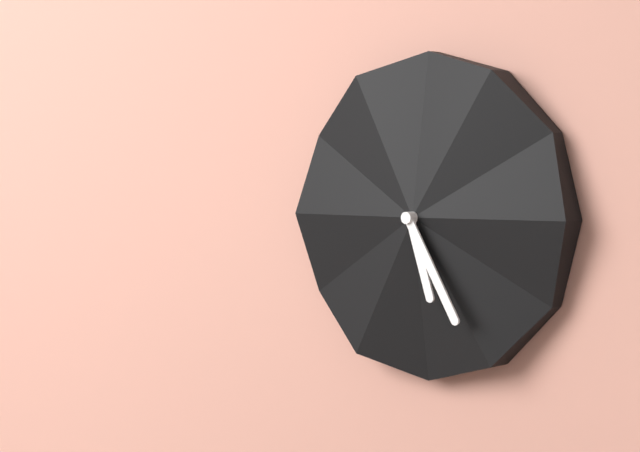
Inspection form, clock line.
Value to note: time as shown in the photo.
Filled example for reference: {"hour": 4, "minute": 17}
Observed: {"hour": 5, "minute": 25}
